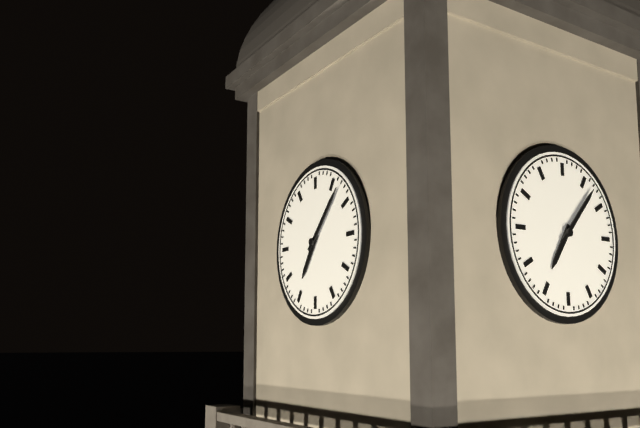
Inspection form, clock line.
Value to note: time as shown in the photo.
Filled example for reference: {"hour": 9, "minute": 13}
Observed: {"hour": 7, "minute": 7}
